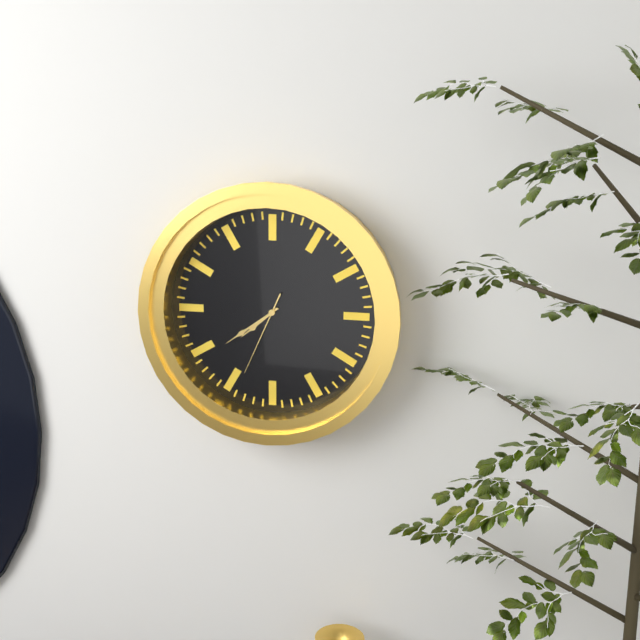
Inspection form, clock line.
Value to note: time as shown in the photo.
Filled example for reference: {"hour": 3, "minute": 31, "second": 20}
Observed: {"hour": 7, "minute": 39, "second": 34}
